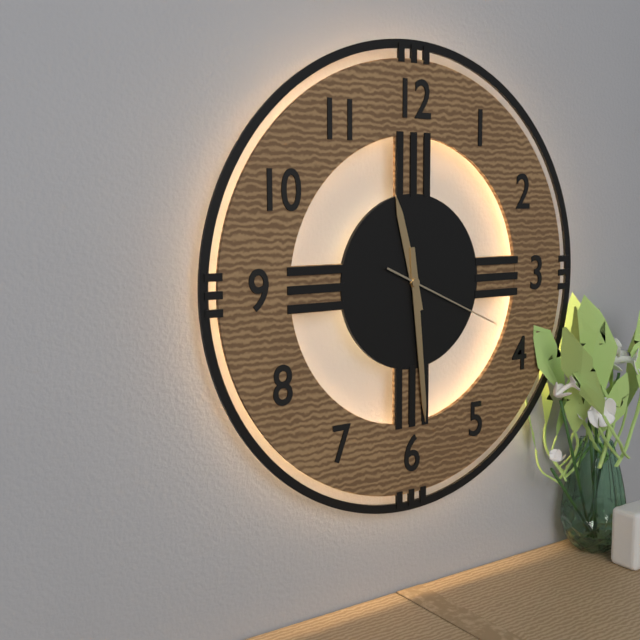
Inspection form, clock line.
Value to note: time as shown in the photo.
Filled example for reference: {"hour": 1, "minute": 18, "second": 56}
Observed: {"hour": 11, "minute": 29, "second": 19}
